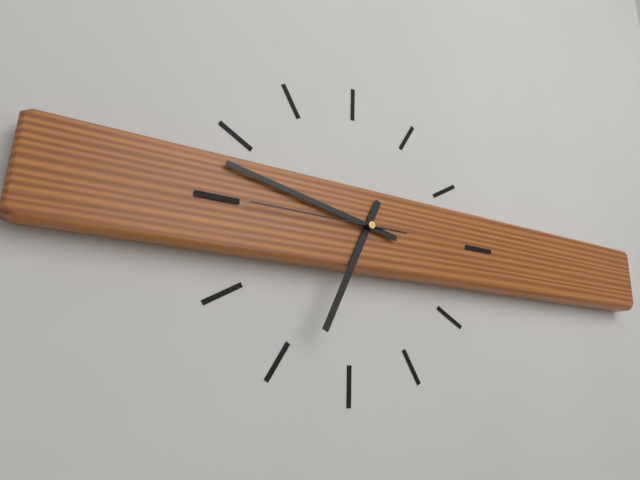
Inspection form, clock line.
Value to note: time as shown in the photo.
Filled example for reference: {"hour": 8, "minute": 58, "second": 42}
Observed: {"hour": 6, "minute": 47, "second": 45}
